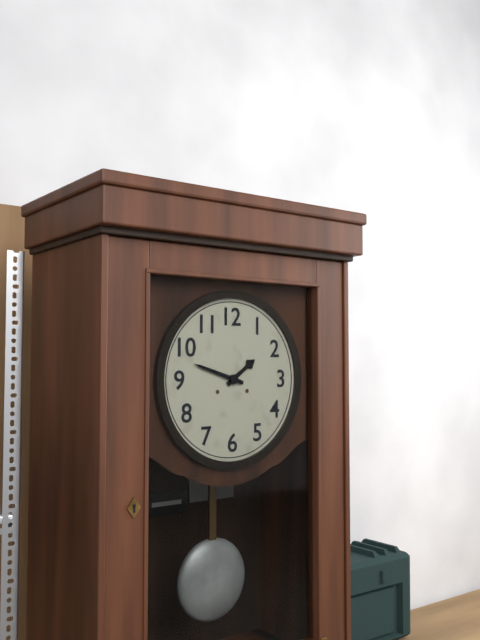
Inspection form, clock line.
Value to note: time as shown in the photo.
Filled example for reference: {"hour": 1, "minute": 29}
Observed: {"hour": 1, "minute": 48}
